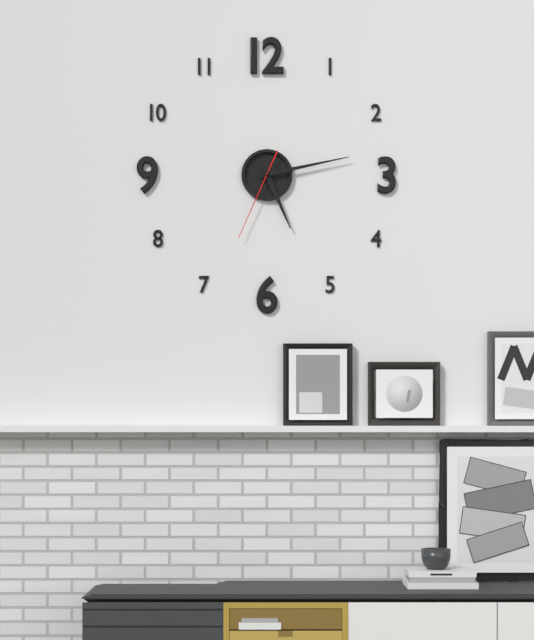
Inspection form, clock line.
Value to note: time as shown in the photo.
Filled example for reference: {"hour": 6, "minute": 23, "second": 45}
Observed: {"hour": 5, "minute": 13, "second": 34}
